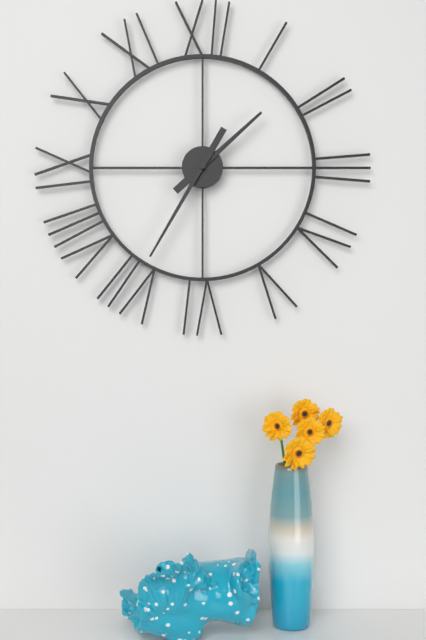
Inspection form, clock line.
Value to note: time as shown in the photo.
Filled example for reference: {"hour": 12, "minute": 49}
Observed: {"hour": 1, "minute": 35}
